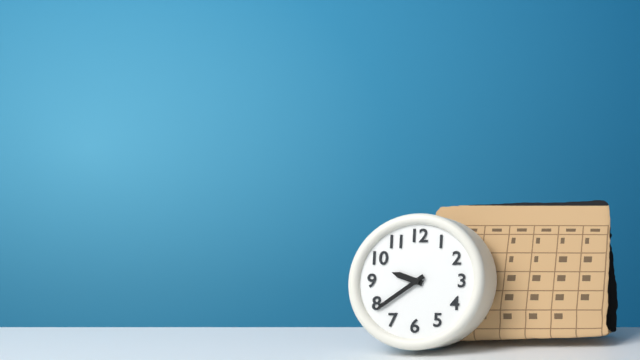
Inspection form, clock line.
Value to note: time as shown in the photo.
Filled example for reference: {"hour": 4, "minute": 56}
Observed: {"hour": 9, "minute": 39}
